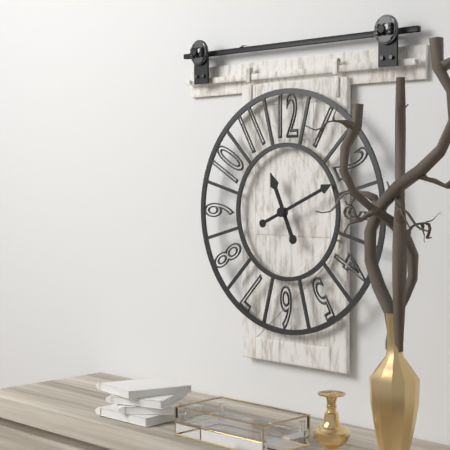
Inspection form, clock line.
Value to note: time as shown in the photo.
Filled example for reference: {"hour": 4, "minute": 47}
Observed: {"hour": 11, "minute": 11}
